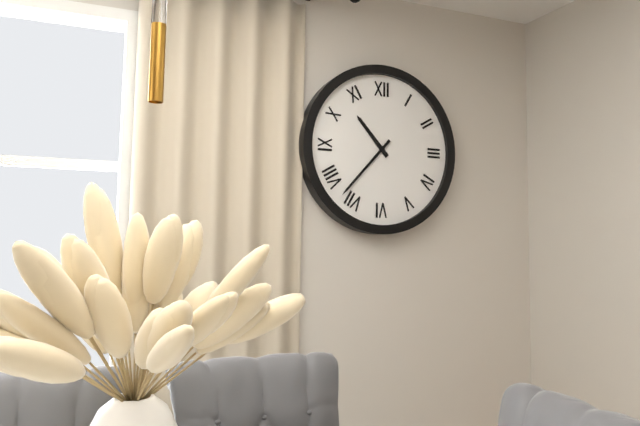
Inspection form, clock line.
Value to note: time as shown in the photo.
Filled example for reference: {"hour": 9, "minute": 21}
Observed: {"hour": 10, "minute": 37}
